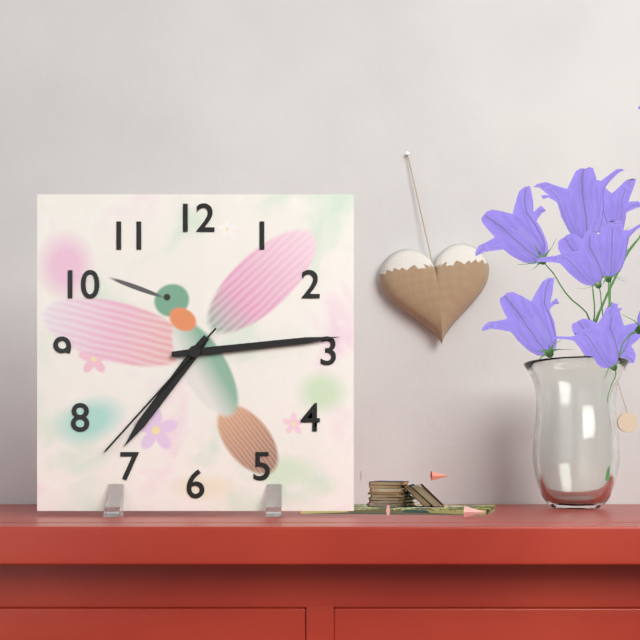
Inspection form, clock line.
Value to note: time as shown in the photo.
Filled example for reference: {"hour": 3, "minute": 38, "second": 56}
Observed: {"hour": 7, "minute": 14, "second": 37}
